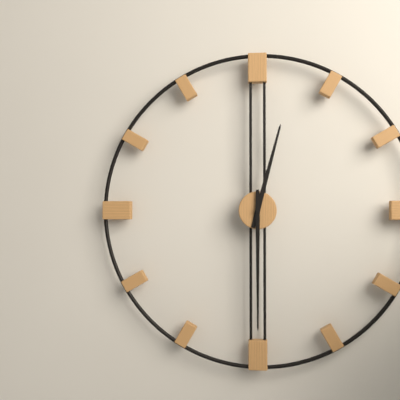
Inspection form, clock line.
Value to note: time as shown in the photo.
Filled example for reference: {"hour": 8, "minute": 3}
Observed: {"hour": 12, "minute": 30}
